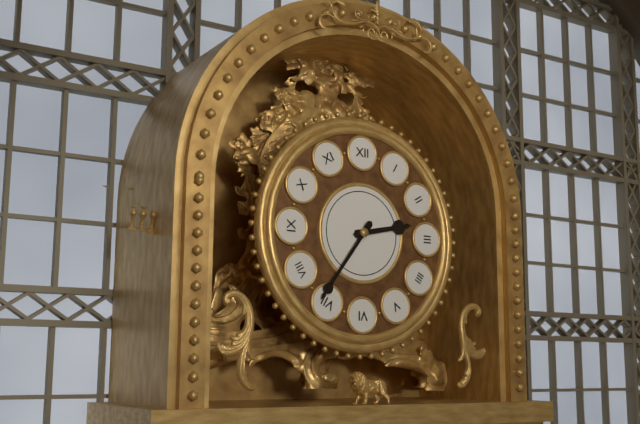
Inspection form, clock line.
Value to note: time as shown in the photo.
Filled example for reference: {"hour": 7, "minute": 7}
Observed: {"hour": 2, "minute": 36}
